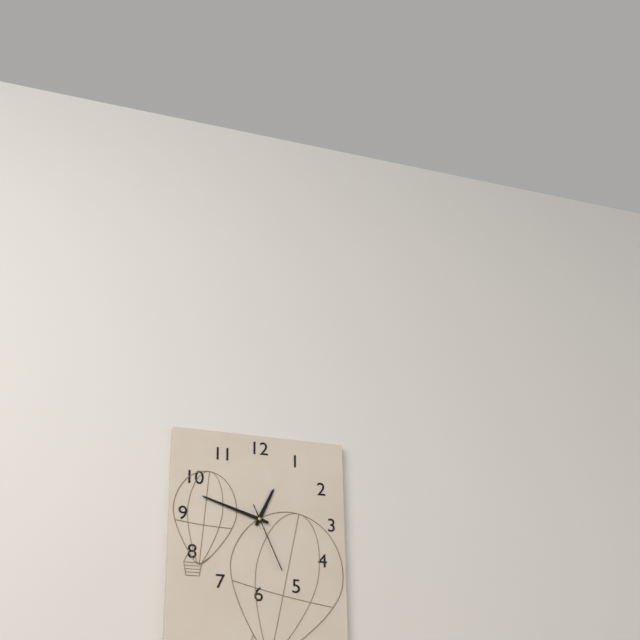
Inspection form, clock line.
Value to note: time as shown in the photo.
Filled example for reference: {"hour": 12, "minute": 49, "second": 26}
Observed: {"hour": 12, "minute": 48, "second": 26}
